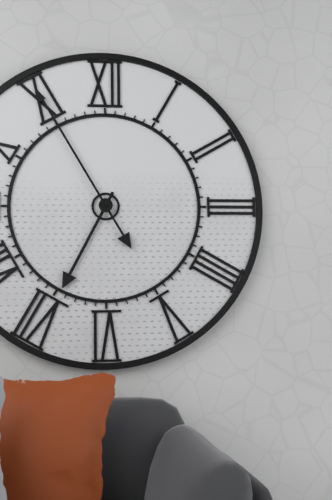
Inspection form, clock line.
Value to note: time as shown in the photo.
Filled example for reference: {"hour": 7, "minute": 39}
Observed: {"hour": 6, "minute": 55}
